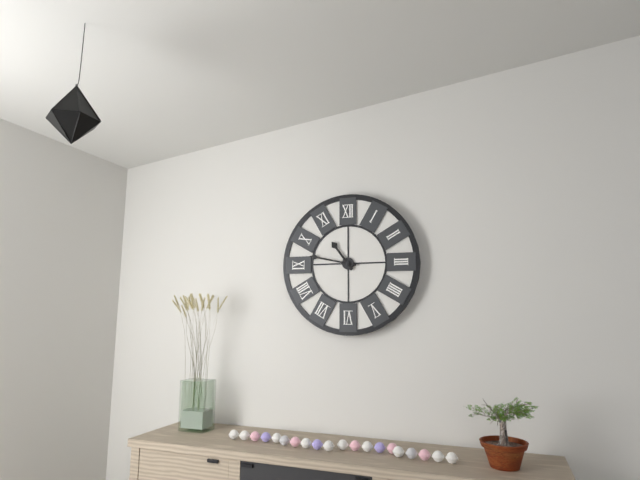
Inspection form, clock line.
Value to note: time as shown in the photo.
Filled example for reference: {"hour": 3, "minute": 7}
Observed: {"hour": 10, "minute": 47}
